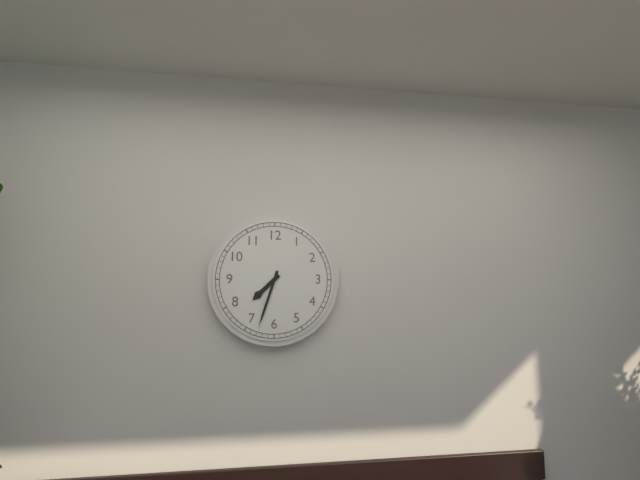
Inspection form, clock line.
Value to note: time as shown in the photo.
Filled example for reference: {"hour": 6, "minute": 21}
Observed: {"hour": 7, "minute": 33}
